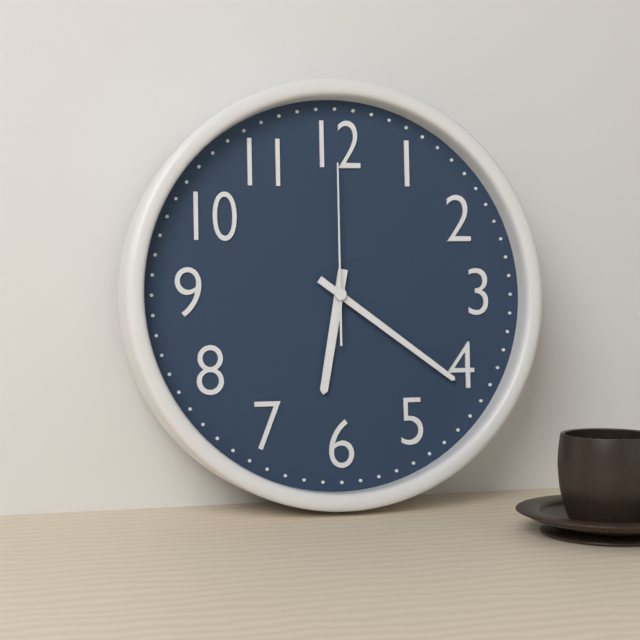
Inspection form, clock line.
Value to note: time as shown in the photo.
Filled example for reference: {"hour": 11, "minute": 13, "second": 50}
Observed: {"hour": 6, "minute": 21, "second": 0}
